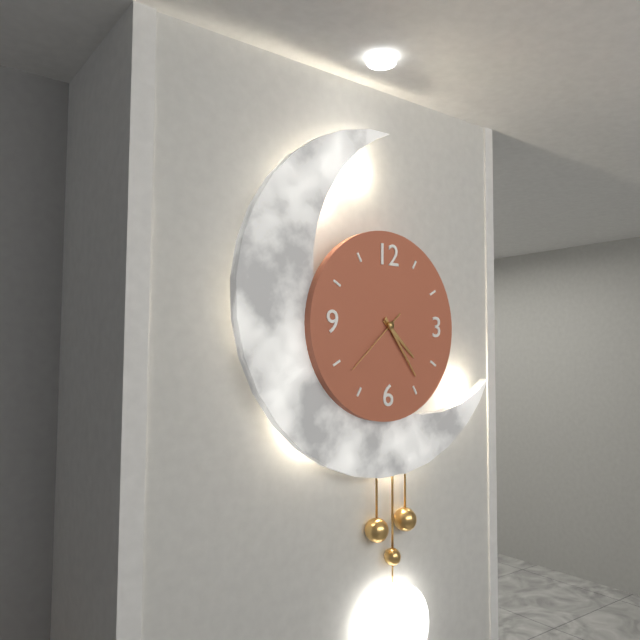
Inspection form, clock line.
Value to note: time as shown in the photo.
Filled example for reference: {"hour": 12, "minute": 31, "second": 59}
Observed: {"hour": 4, "minute": 24, "second": 38}
